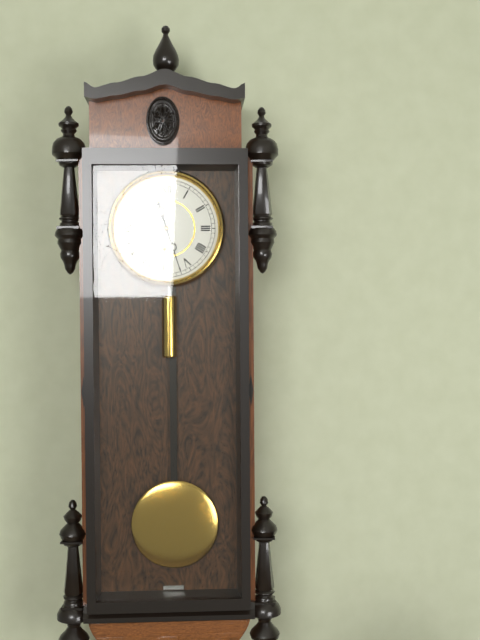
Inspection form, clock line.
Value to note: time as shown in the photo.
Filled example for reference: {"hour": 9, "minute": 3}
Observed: {"hour": 11, "minute": 27}
